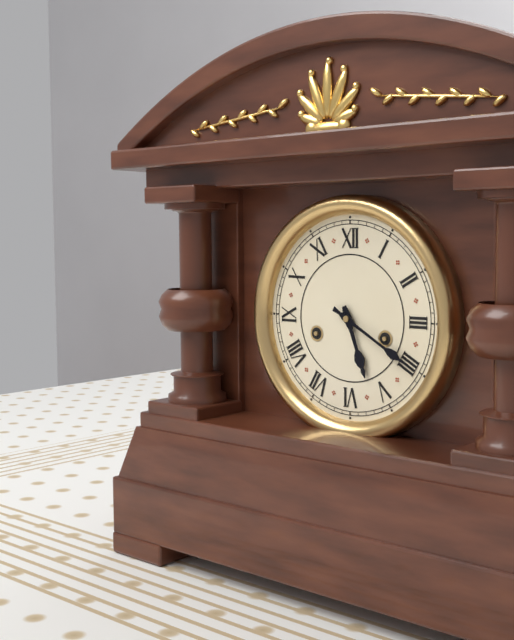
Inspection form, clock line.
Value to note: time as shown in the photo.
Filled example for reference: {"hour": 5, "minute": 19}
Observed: {"hour": 5, "minute": 20}
